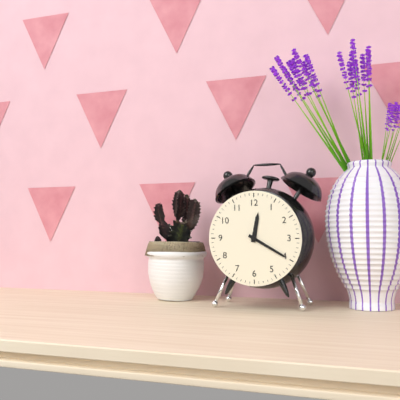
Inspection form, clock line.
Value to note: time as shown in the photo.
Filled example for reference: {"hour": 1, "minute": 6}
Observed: {"hour": 12, "minute": 20}
